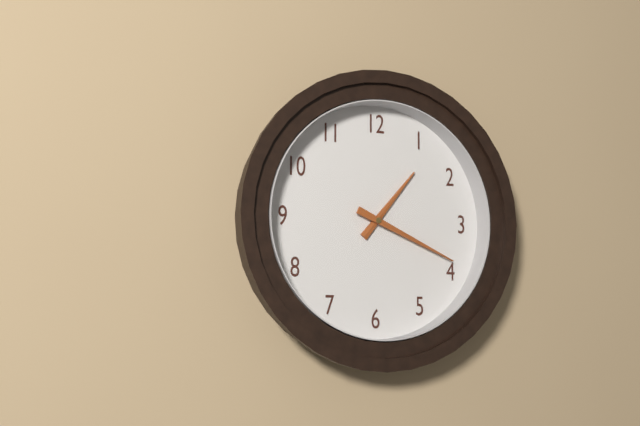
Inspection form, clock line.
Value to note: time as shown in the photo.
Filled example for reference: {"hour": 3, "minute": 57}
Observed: {"hour": 1, "minute": 19}
